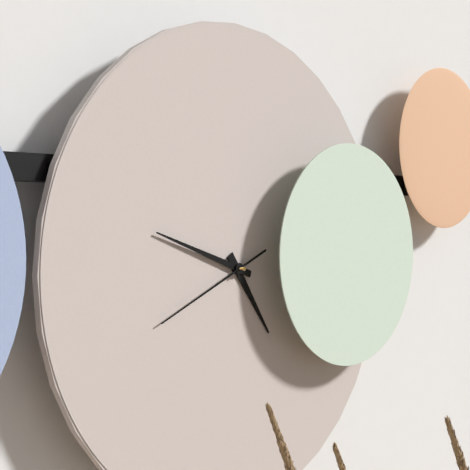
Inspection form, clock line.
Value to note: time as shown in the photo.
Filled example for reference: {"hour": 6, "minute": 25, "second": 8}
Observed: {"hour": 4, "minute": 48, "second": 41}
